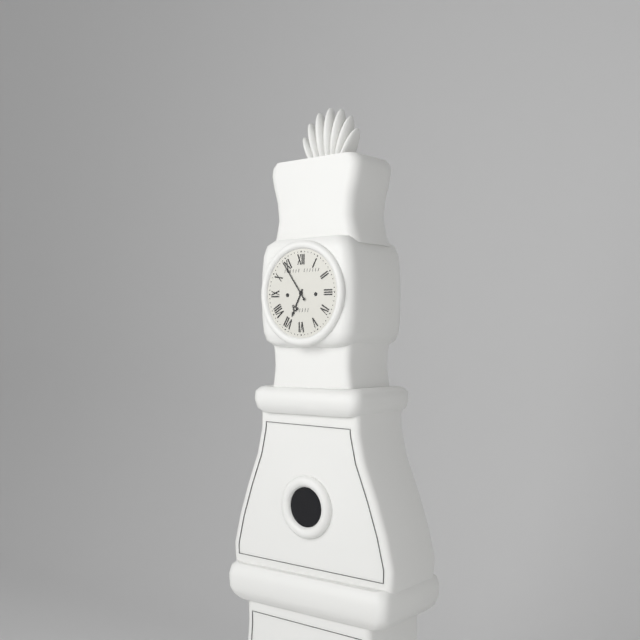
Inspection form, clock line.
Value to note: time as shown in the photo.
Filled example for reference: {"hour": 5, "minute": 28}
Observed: {"hour": 6, "minute": 54}
